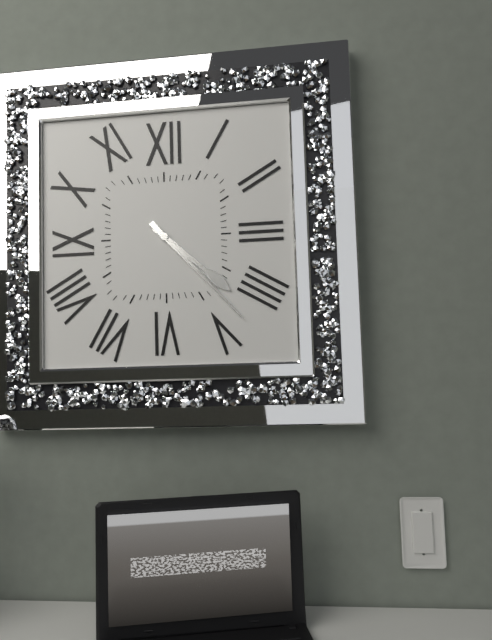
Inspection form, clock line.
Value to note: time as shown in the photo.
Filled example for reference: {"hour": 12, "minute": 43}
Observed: {"hour": 4, "minute": 23}
